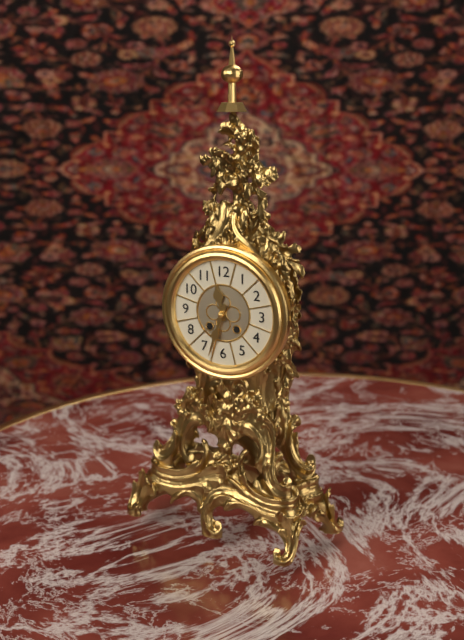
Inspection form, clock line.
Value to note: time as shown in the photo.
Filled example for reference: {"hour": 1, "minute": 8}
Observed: {"hour": 11, "minute": 33}
